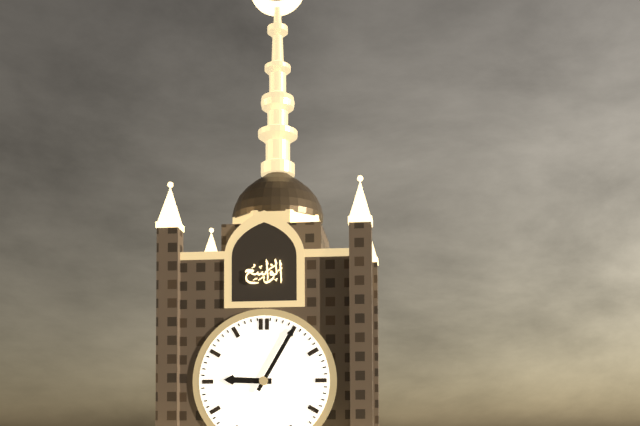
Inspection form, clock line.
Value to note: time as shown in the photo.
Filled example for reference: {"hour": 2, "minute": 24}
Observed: {"hour": 9, "minute": 5}
